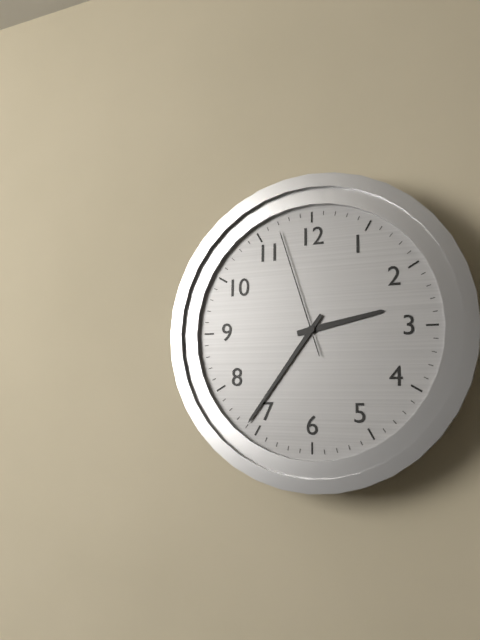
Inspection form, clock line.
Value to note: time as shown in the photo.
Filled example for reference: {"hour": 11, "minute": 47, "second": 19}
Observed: {"hour": 2, "minute": 36, "second": 57}
